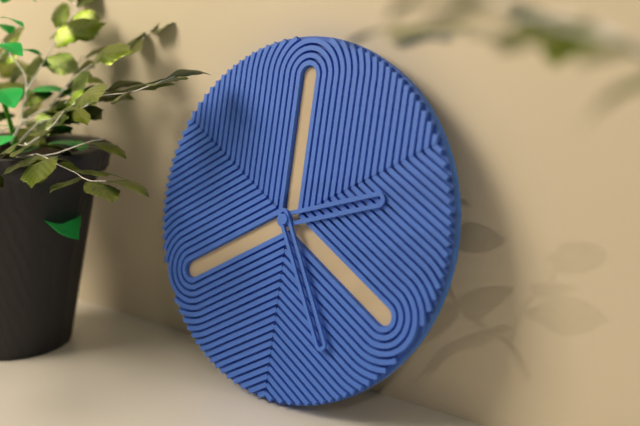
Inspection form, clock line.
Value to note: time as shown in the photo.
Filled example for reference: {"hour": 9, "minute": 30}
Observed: {"hour": 2, "minute": 25}
